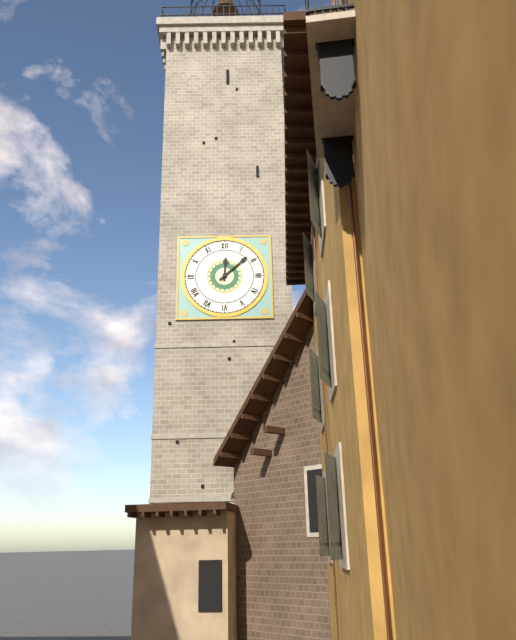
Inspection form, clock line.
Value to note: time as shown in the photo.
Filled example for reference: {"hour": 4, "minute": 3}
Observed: {"hour": 12, "minute": 8}
